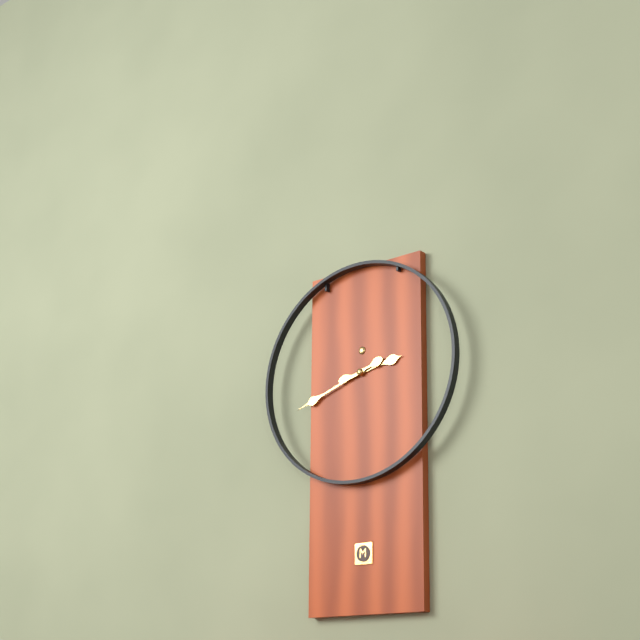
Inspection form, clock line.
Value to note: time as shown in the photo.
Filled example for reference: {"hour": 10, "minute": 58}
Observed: {"hour": 2, "minute": 42}
